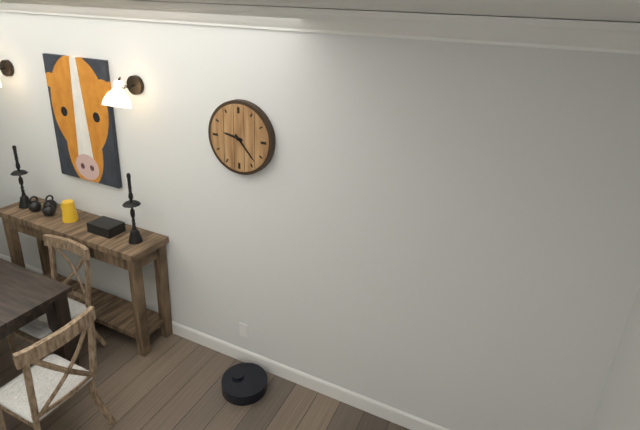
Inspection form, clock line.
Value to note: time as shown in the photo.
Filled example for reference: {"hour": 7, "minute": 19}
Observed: {"hour": 9, "minute": 23}
